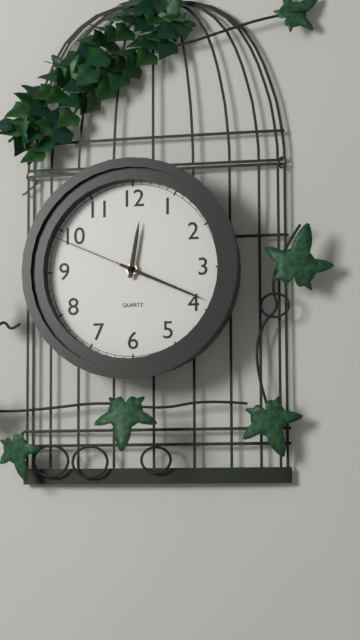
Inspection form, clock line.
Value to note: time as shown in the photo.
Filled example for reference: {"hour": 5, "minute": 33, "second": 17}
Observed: {"hour": 12, "minute": 19, "second": 49}
